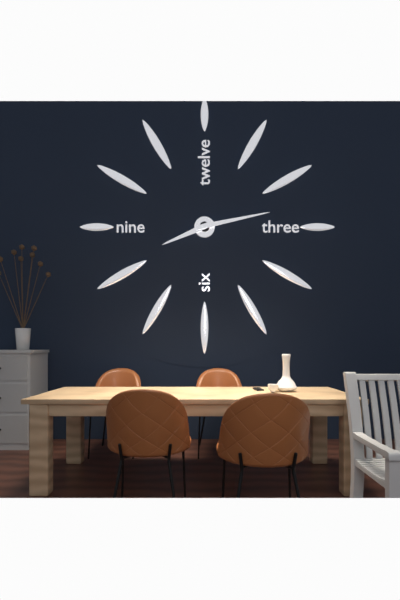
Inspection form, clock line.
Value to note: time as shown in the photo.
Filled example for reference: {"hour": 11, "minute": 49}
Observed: {"hour": 8, "minute": 13}
